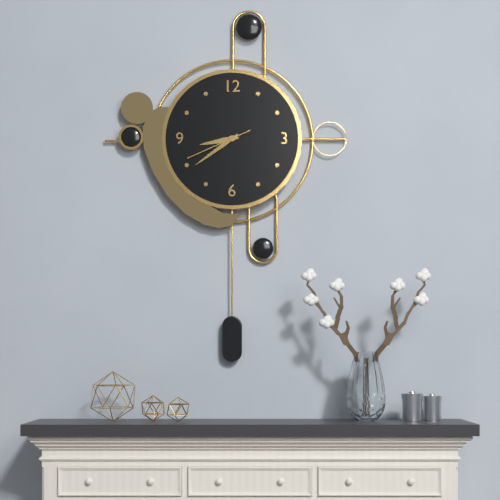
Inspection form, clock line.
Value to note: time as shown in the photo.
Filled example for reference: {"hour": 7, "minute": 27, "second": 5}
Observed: {"hour": 8, "minute": 39, "second": 41}
